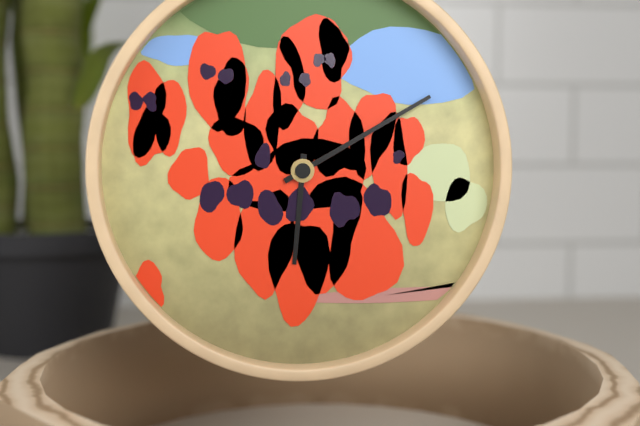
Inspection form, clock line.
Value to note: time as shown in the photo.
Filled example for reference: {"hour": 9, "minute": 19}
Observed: {"hour": 6, "minute": 10}
